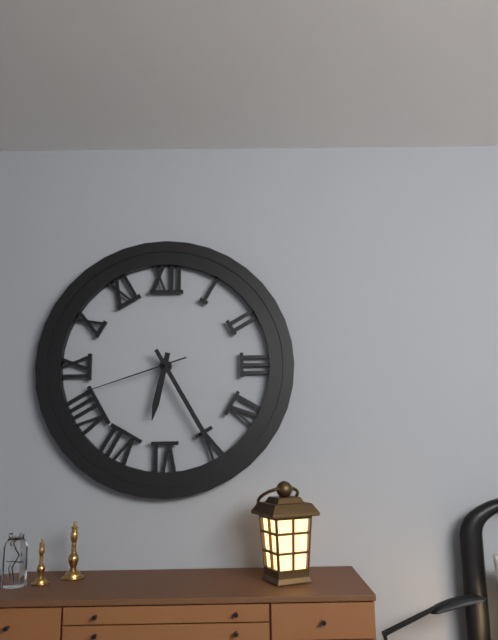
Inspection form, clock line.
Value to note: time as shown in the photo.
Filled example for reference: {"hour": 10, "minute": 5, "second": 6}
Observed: {"hour": 6, "minute": 25, "second": 42}
